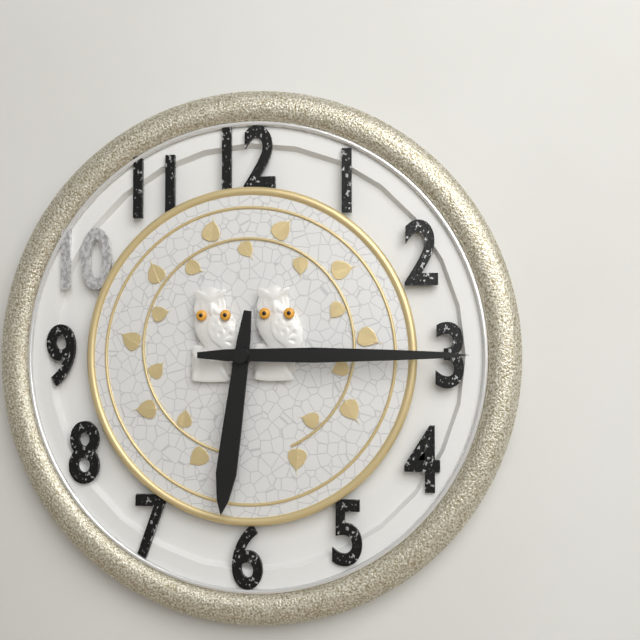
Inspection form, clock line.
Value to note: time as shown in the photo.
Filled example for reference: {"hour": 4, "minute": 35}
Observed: {"hour": 6, "minute": 15}
